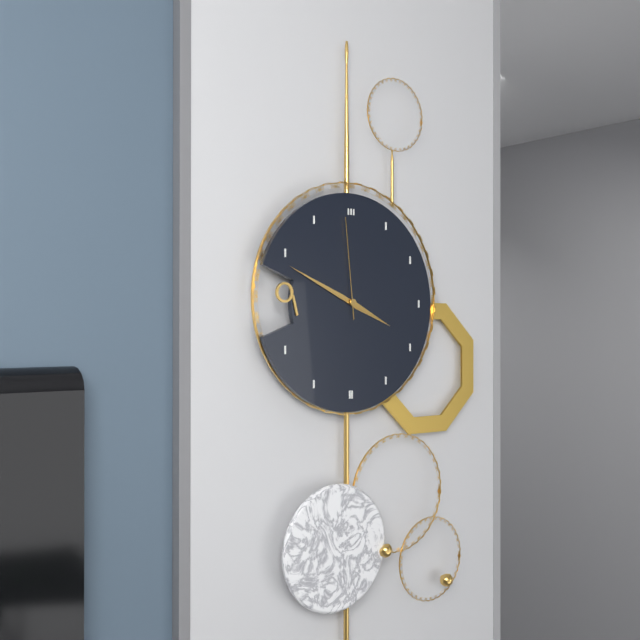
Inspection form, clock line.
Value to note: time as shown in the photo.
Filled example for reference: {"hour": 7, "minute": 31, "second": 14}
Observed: {"hour": 3, "minute": 49, "second": 59}
